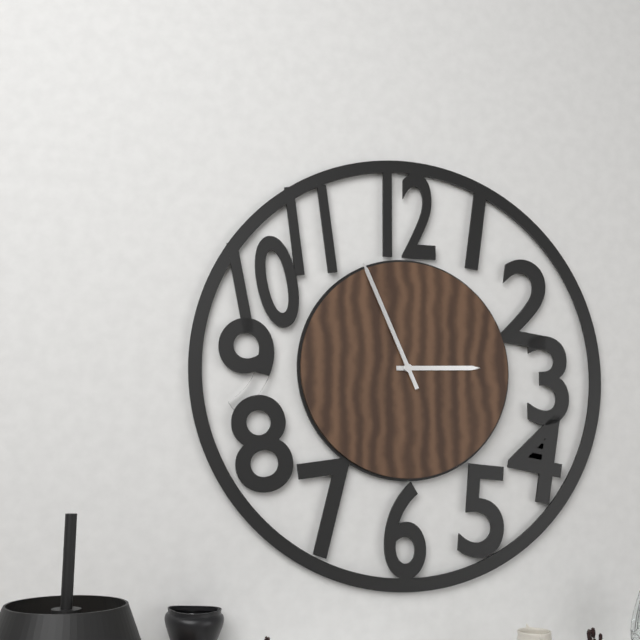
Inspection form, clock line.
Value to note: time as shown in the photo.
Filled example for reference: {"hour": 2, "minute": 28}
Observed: {"hour": 2, "minute": 56}
